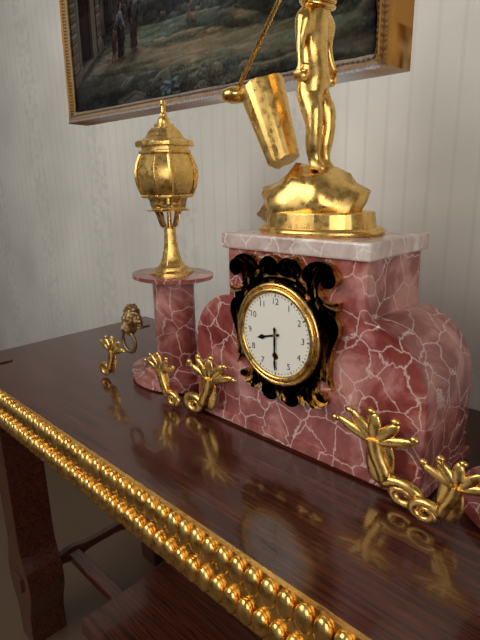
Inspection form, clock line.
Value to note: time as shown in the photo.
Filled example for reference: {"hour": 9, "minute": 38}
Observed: {"hour": 8, "minute": 30}
